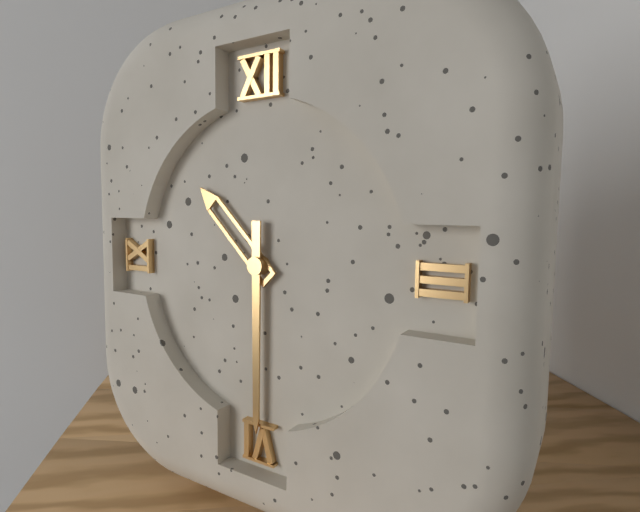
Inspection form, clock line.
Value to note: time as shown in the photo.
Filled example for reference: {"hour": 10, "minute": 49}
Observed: {"hour": 10, "minute": 30}
